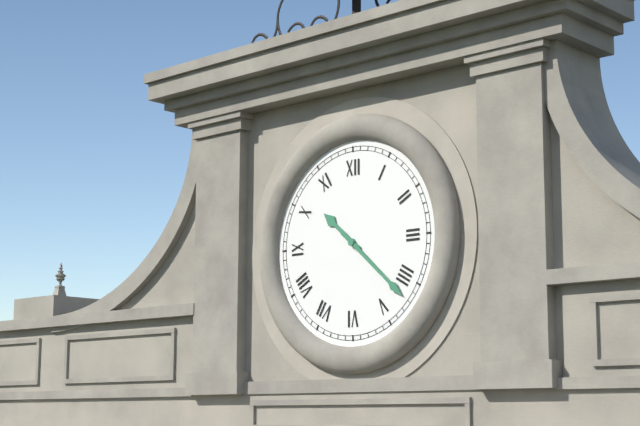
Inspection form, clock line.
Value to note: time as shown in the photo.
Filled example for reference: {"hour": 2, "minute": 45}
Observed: {"hour": 10, "minute": 22}
